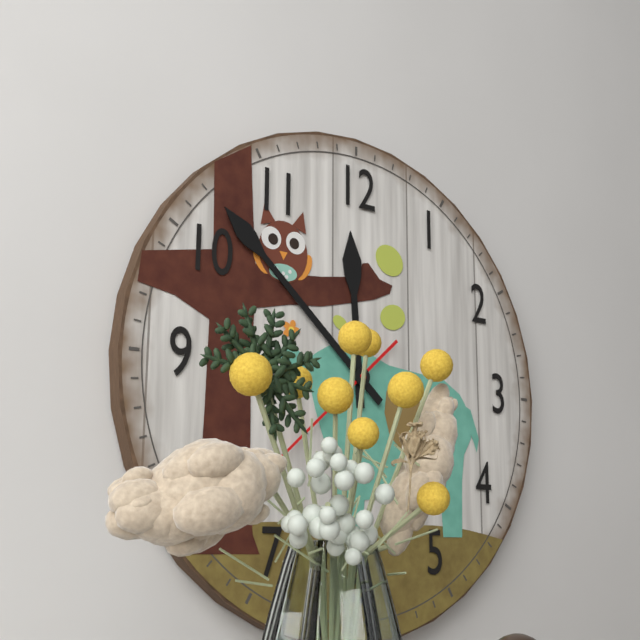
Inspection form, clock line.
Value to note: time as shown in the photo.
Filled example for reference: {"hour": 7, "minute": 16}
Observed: {"hour": 11, "minute": 52}
